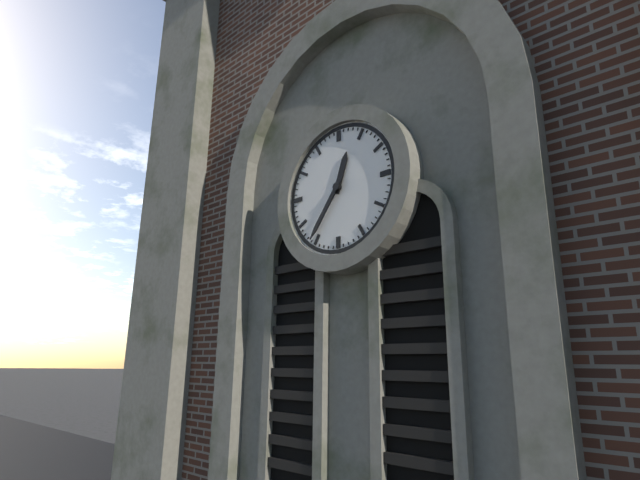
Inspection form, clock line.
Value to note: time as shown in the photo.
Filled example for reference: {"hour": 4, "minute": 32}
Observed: {"hour": 12, "minute": 36}
